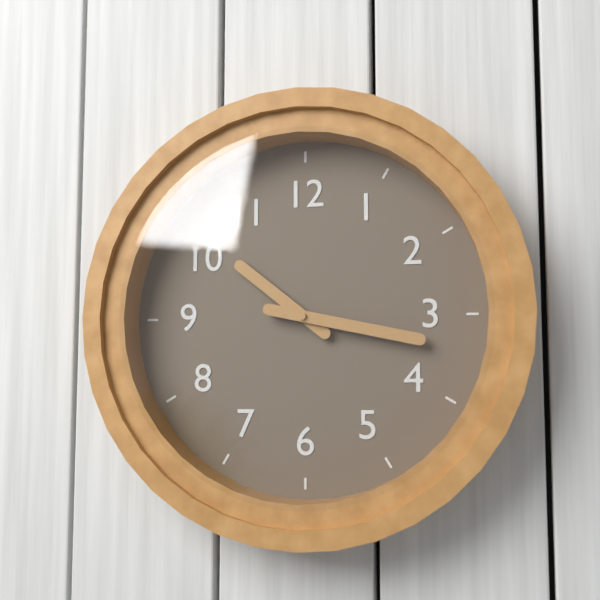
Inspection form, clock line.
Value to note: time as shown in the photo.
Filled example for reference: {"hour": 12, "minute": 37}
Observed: {"hour": 10, "minute": 17}
